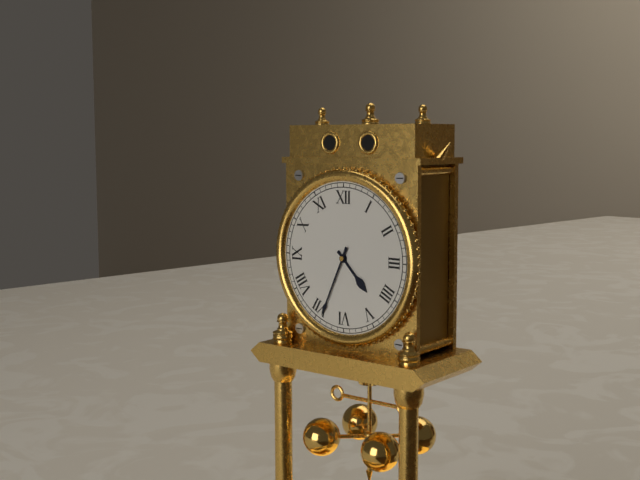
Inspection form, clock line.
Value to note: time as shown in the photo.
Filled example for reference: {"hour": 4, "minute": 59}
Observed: {"hour": 4, "minute": 34}
